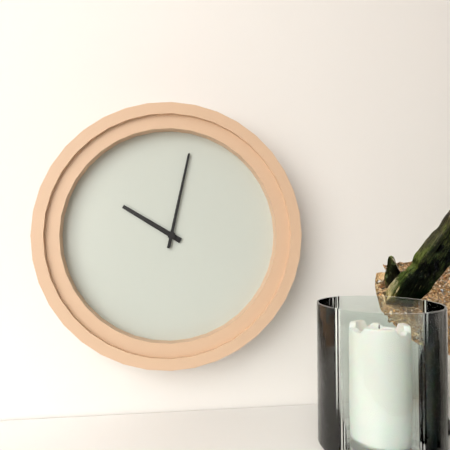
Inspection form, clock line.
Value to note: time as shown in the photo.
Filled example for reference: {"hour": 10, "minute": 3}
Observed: {"hour": 10, "minute": 2}
